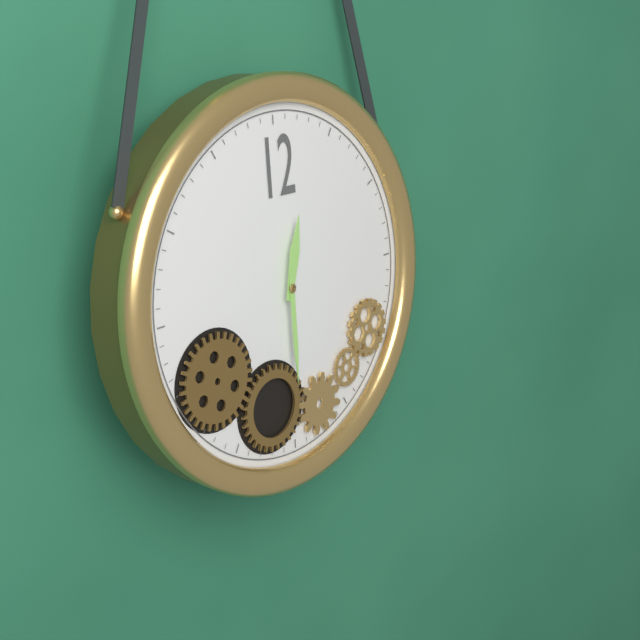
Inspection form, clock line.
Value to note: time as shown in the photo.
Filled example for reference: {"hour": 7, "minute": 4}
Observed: {"hour": 12, "minute": 30}
